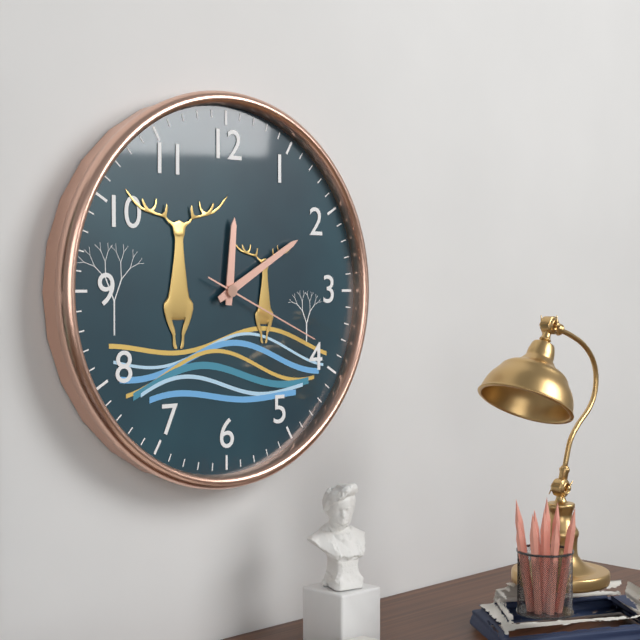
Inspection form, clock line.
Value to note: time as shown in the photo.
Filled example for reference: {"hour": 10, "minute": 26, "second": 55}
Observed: {"hour": 12, "minute": 10, "second": 19}
